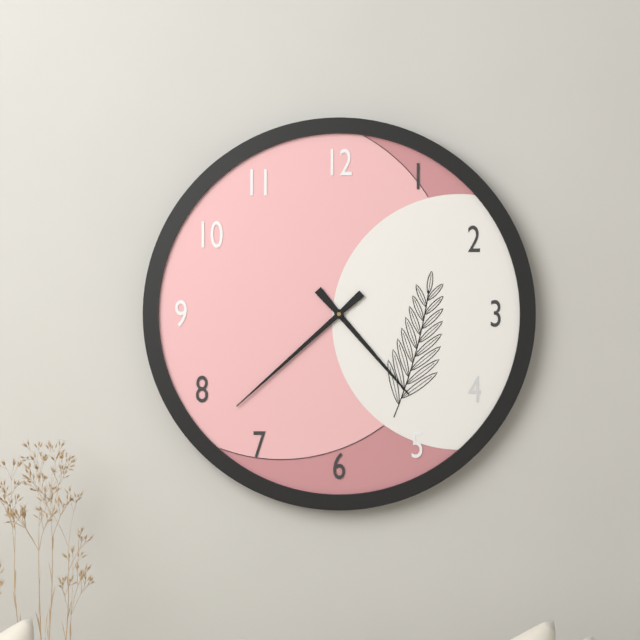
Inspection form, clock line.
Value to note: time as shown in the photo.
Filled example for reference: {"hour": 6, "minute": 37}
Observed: {"hour": 4, "minute": 38}
